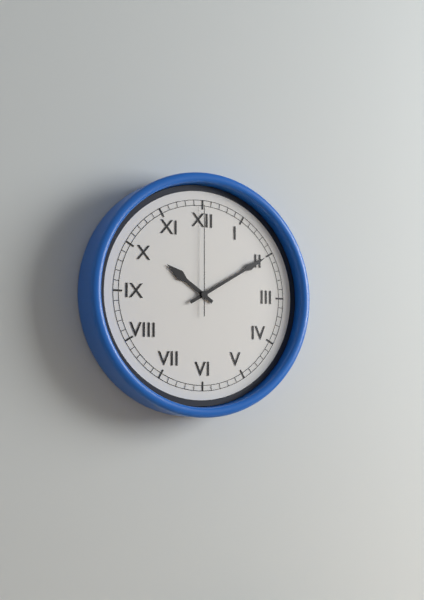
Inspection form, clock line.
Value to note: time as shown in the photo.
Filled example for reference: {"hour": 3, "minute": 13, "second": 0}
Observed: {"hour": 10, "minute": 10, "second": 0}
